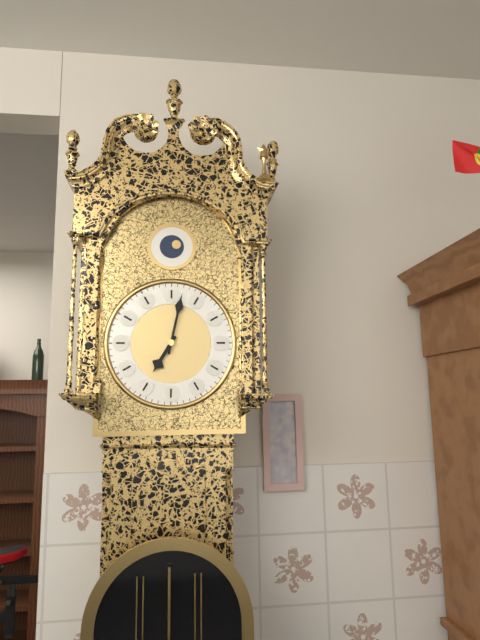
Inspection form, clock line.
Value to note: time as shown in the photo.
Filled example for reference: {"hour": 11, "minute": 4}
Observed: {"hour": 7, "minute": 2}
